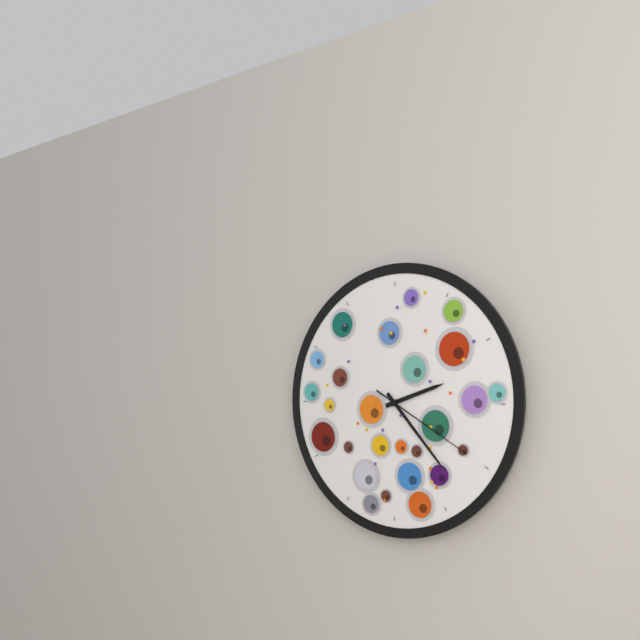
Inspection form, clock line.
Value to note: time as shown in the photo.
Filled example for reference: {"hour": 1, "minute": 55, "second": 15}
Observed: {"hour": 2, "minute": 23, "second": 20}
